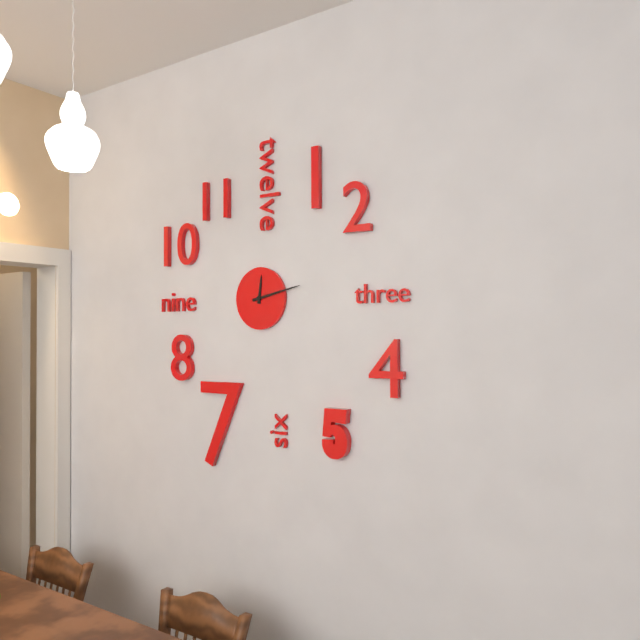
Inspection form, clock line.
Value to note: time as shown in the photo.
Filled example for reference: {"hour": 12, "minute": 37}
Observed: {"hour": 12, "minute": 13}
